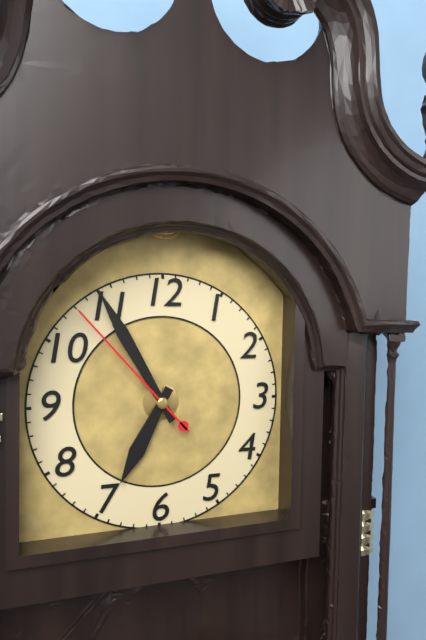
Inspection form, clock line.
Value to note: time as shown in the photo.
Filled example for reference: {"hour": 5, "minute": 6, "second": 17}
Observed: {"hour": 6, "minute": 55, "second": 53}
